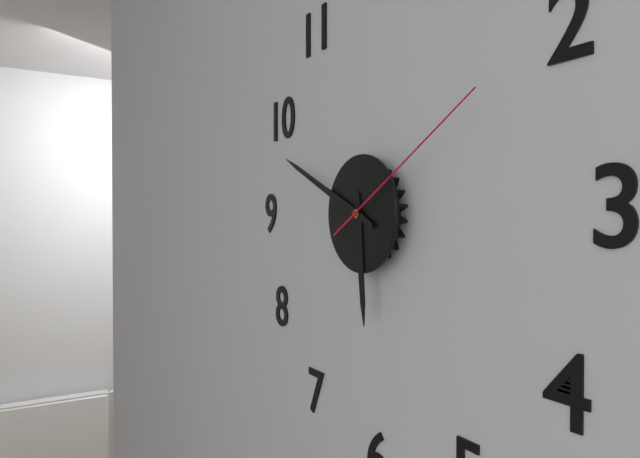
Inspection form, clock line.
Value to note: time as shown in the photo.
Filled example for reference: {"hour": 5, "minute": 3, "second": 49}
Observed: {"hour": 5, "minute": 49, "second": 10}
